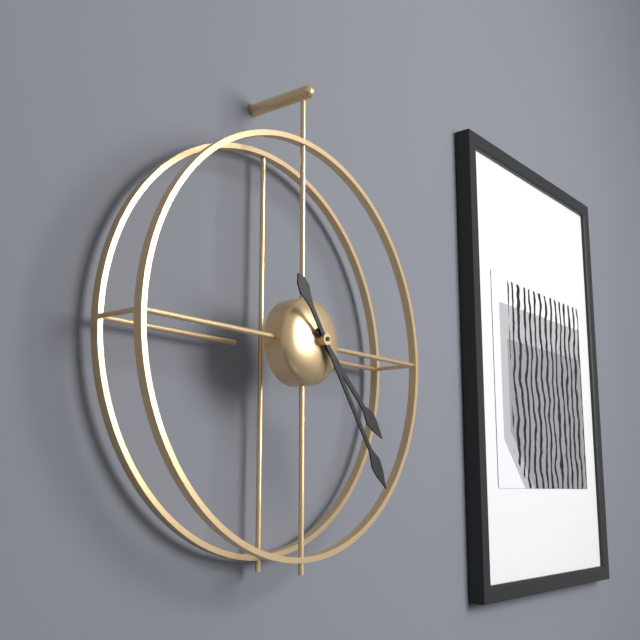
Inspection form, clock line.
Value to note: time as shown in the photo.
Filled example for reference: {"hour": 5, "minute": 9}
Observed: {"hour": 4, "minute": 24}
